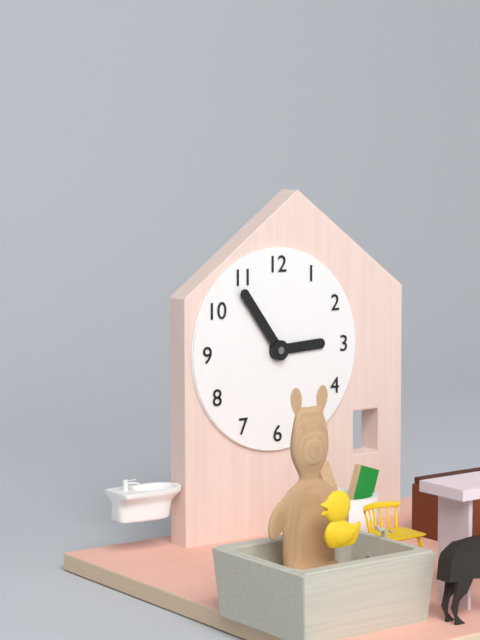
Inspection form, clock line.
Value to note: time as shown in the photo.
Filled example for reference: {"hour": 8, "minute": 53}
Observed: {"hour": 2, "minute": 54}
